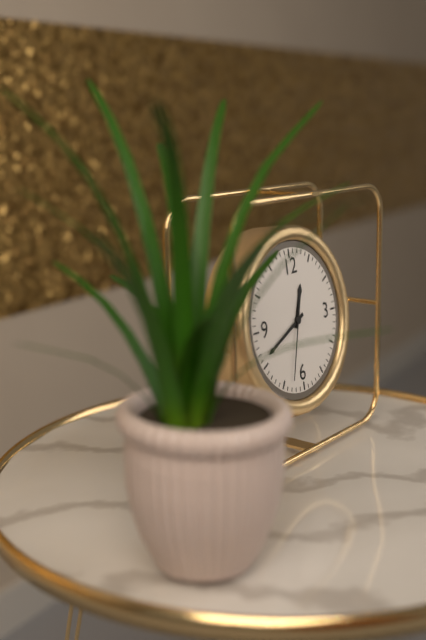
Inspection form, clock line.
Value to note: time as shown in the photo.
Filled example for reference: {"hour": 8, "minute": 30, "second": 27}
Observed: {"hour": 12, "minute": 41, "second": 33}
